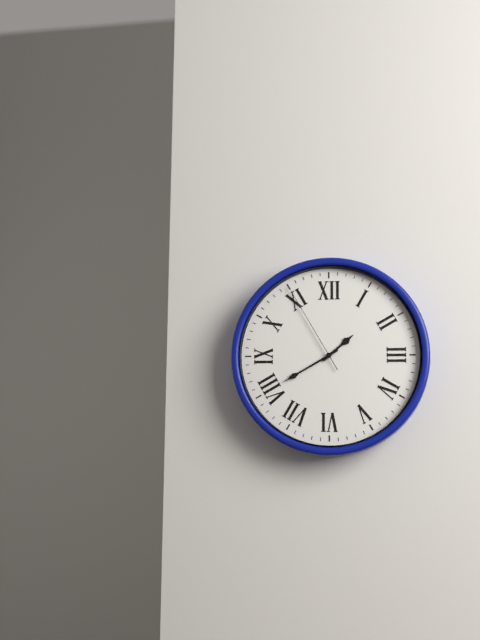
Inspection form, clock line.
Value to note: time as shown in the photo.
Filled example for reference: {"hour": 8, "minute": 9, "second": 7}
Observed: {"hour": 1, "minute": 40, "second": 55}
